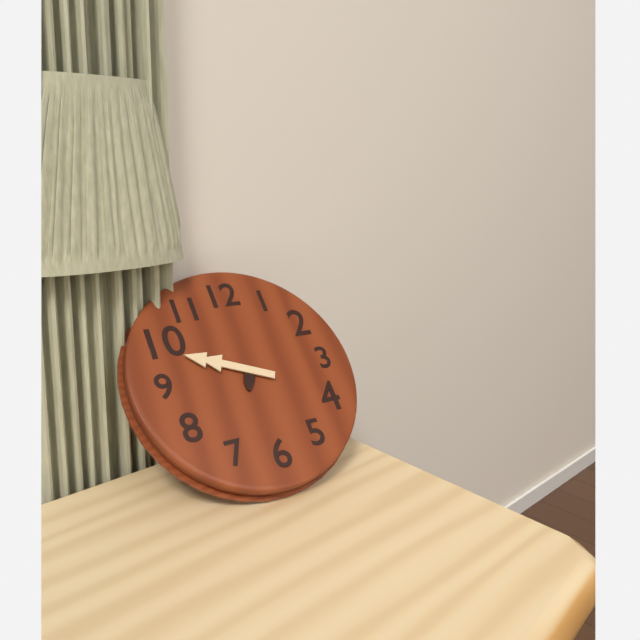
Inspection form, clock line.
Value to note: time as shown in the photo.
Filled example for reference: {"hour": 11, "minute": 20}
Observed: {"hour": 6, "minute": 49}
